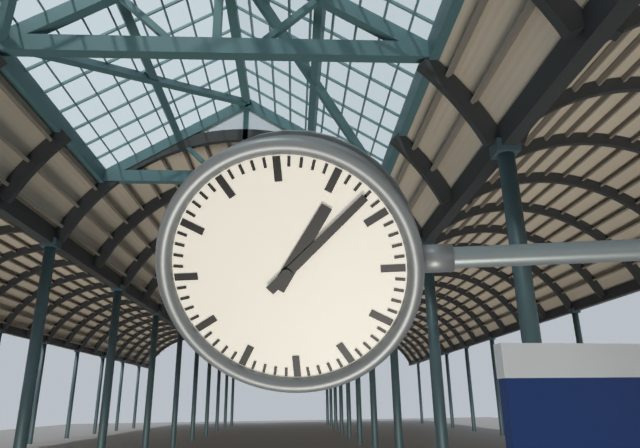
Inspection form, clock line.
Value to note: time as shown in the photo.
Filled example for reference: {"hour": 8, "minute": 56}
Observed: {"hour": 1, "minute": 8}
